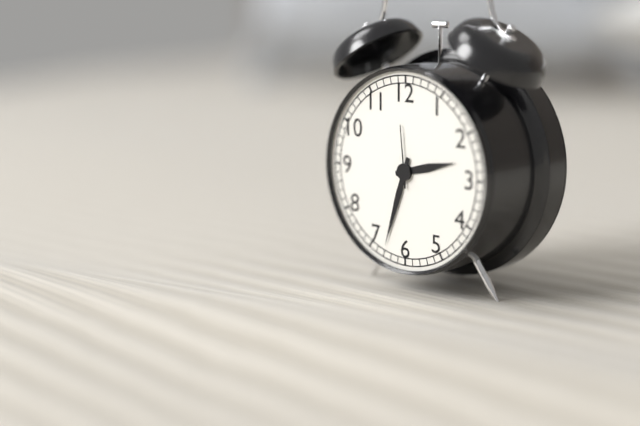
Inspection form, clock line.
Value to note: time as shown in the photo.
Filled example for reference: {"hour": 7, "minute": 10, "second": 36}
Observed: {"hour": 2, "minute": 33, "second": 59}
